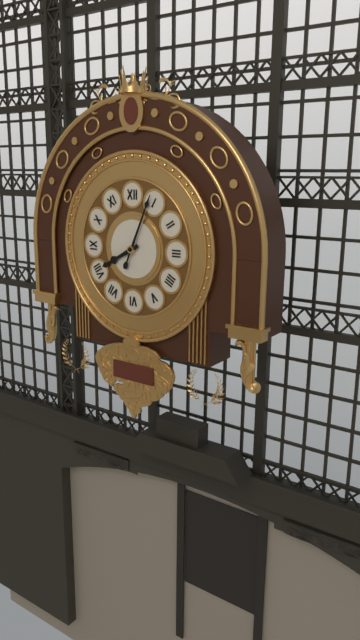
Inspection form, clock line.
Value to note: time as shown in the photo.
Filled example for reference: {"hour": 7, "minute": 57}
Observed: {"hour": 8, "minute": 4}
